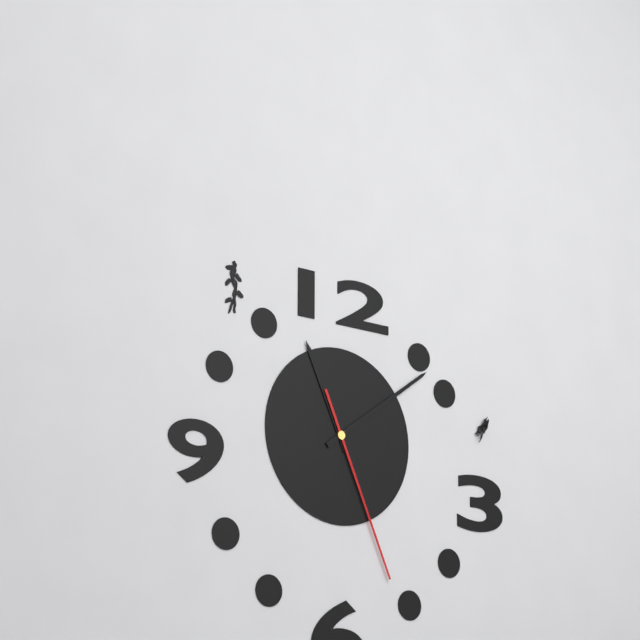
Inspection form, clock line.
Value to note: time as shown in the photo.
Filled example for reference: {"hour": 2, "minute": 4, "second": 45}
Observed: {"hour": 11, "minute": 9, "second": 26}
